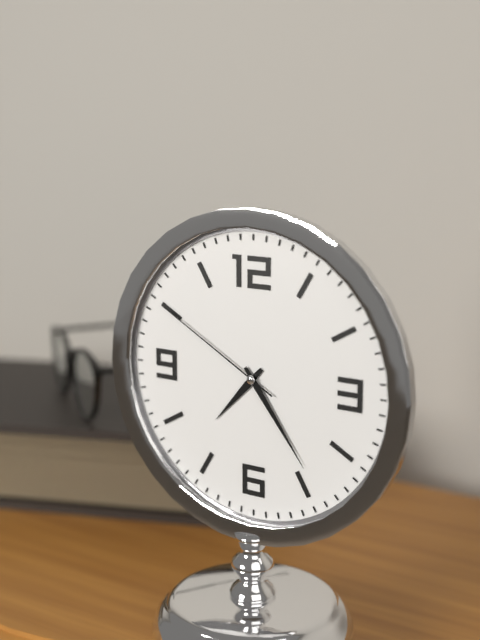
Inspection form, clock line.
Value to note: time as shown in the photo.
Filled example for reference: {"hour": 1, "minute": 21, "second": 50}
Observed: {"hour": 7, "minute": 24, "second": 50}
